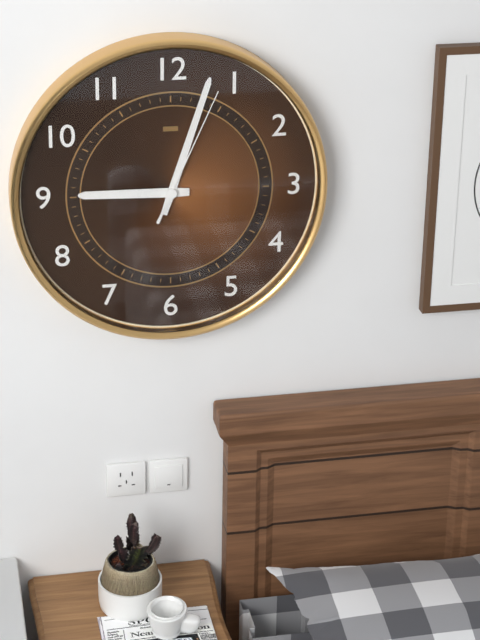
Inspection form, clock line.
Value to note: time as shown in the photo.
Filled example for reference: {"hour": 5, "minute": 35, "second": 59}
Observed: {"hour": 9, "minute": 3, "second": 4}
